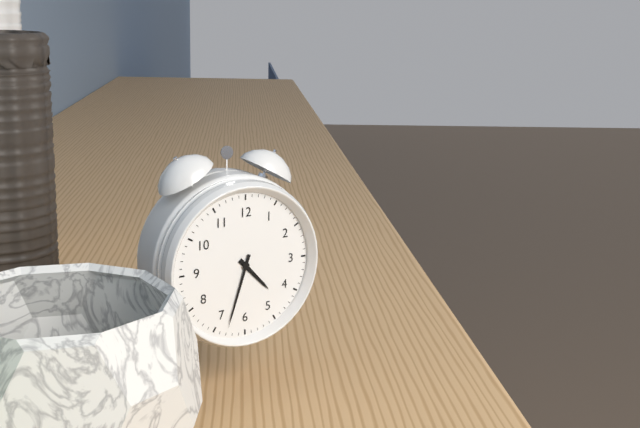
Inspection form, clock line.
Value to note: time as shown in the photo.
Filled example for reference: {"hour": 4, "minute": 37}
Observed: {"hour": 4, "minute": 33}
